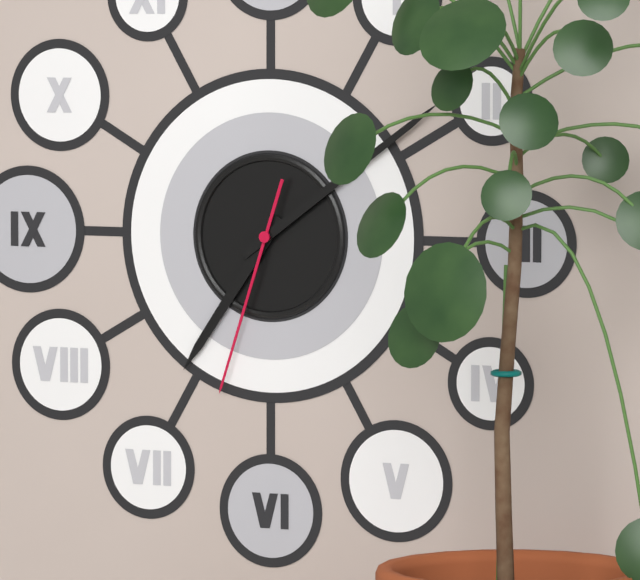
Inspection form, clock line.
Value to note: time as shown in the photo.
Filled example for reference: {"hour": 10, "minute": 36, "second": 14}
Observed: {"hour": 7, "minute": 9, "second": 33}
